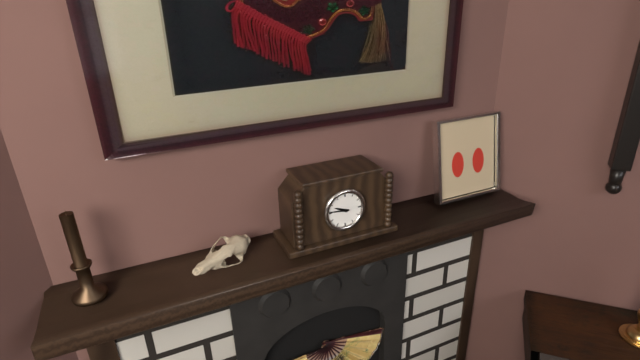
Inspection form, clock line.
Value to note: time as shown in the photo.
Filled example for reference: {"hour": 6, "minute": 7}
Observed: {"hour": 9, "minute": 46}
